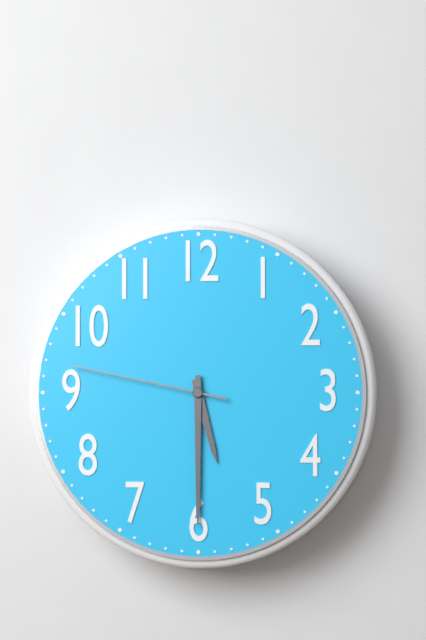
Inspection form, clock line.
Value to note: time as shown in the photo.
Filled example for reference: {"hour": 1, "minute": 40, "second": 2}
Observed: {"hour": 5, "minute": 30, "second": 47}
